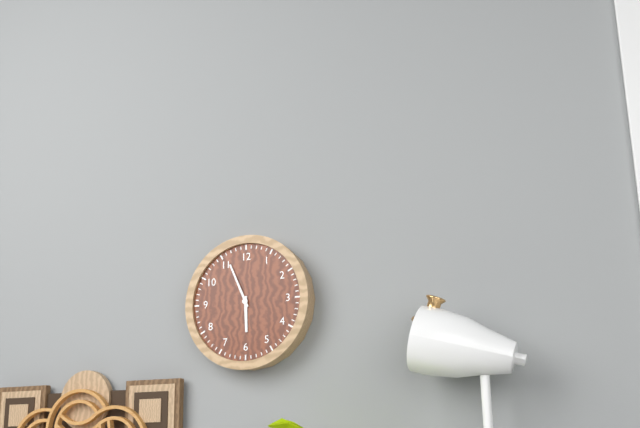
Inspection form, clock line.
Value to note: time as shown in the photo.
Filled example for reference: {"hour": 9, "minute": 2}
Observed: {"hour": 5, "minute": 56}
